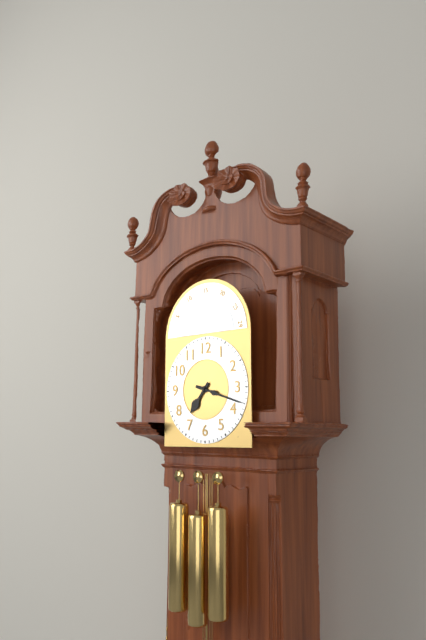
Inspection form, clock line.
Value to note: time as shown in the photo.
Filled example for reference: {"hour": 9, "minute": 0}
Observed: {"hour": 7, "minute": 18}
